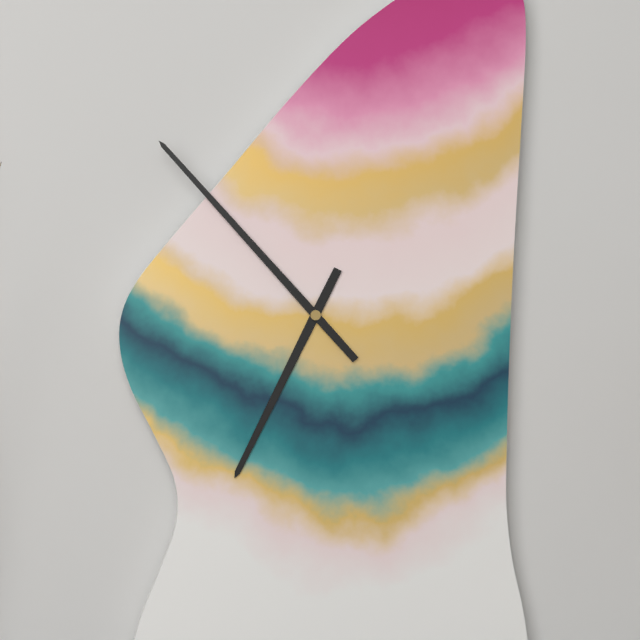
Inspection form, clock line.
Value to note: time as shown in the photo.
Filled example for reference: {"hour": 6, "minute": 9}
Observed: {"hour": 6, "minute": 53}
